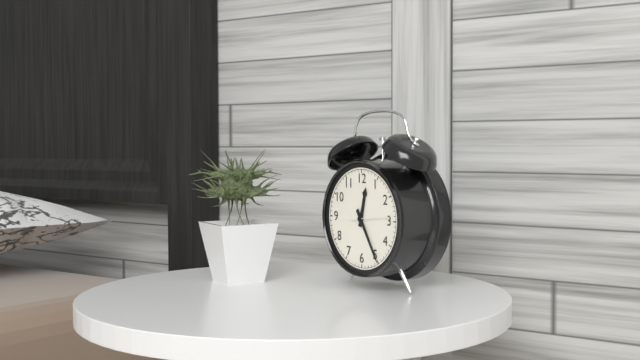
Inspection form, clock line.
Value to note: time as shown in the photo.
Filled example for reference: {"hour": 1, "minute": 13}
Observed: {"hour": 12, "minute": 25}
